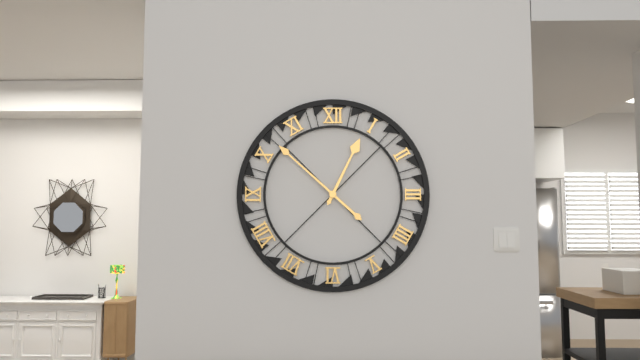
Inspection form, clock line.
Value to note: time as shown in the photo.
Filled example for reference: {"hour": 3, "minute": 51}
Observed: {"hour": 12, "minute": 52}
